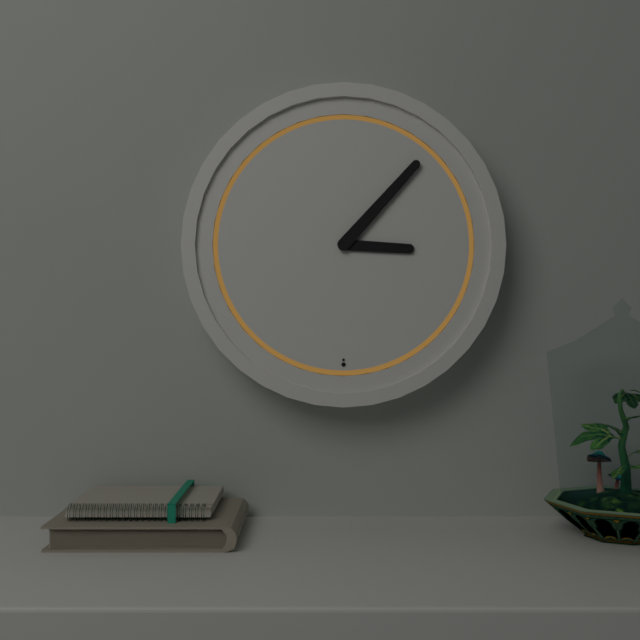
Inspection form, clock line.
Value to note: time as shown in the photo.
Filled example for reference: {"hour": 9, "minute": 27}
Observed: {"hour": 3, "minute": 7}
